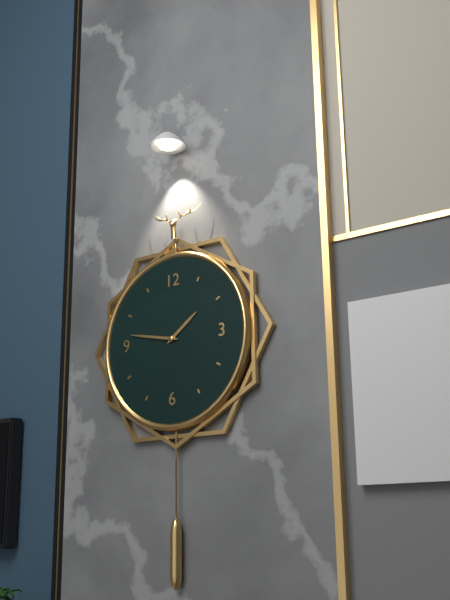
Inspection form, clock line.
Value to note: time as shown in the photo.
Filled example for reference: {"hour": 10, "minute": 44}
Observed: {"hour": 1, "minute": 47}
